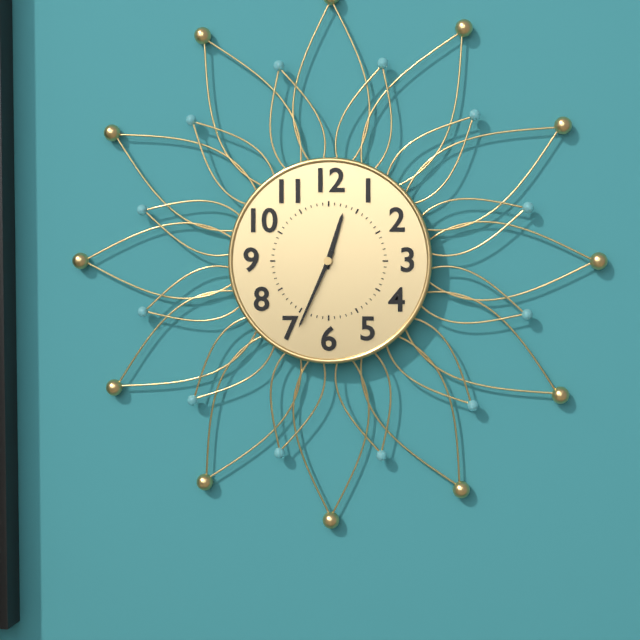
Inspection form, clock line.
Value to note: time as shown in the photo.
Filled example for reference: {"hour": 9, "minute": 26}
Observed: {"hour": 12, "minute": 34}
